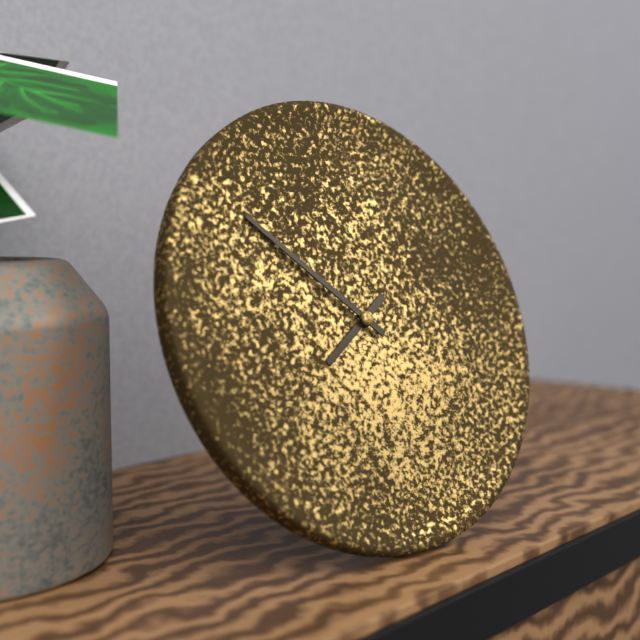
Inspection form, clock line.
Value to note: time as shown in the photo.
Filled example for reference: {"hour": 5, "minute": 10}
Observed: {"hour": 7, "minute": 52}
